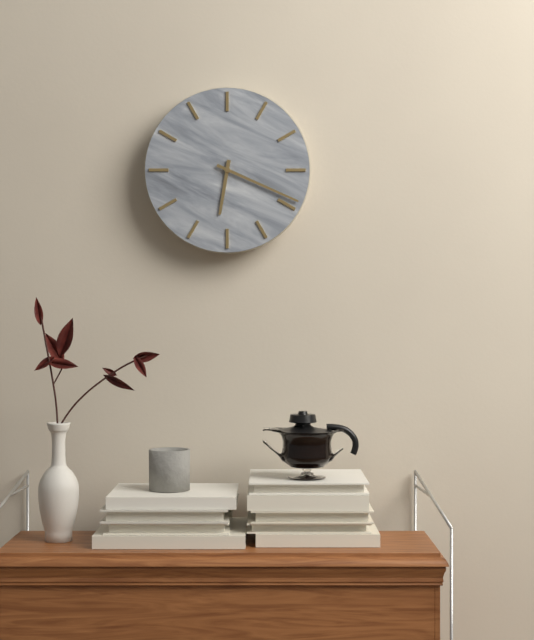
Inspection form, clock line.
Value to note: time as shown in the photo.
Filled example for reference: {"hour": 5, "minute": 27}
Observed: {"hour": 6, "minute": 19}
